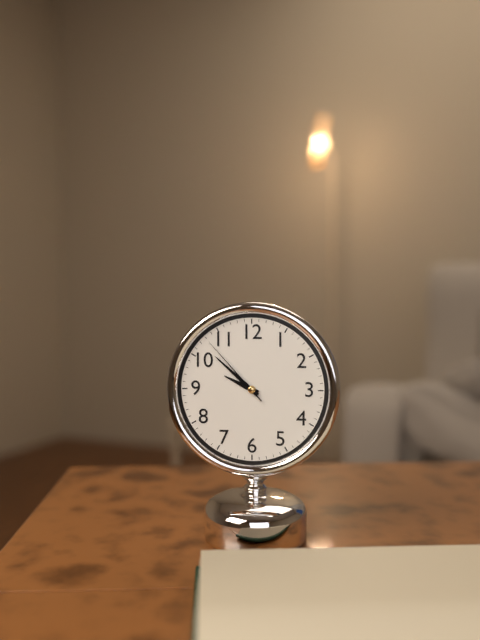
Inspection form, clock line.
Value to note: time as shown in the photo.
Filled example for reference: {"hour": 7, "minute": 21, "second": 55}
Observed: {"hour": 9, "minute": 52, "second": 53}
